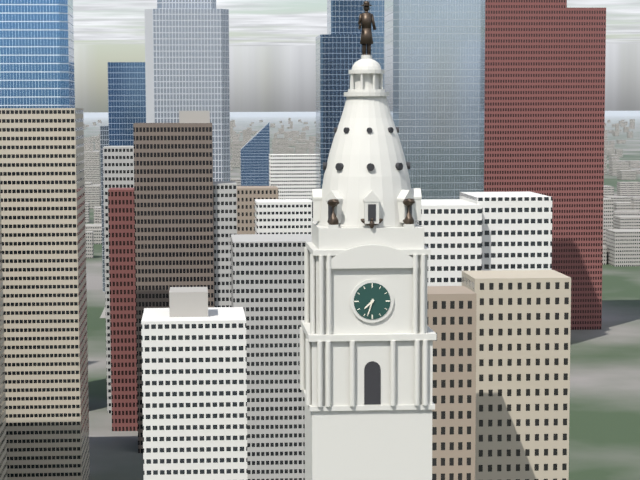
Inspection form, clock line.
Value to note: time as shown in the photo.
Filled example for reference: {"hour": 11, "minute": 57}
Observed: {"hour": 7, "minute": 33}
